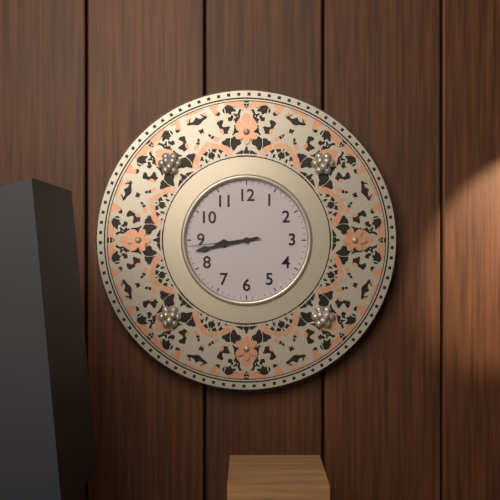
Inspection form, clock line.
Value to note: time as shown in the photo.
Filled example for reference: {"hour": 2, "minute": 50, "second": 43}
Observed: {"hour": 8, "minute": 43, "second": 44}
